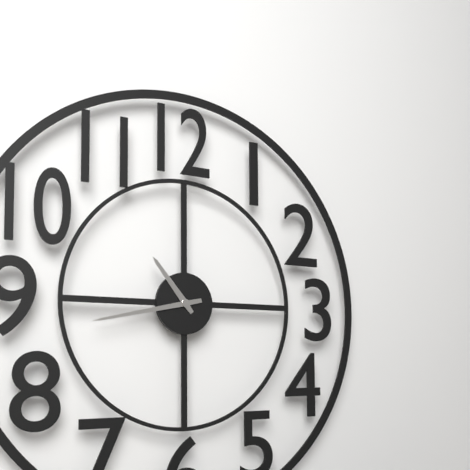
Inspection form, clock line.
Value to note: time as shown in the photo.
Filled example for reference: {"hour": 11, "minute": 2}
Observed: {"hour": 10, "minute": 43}
